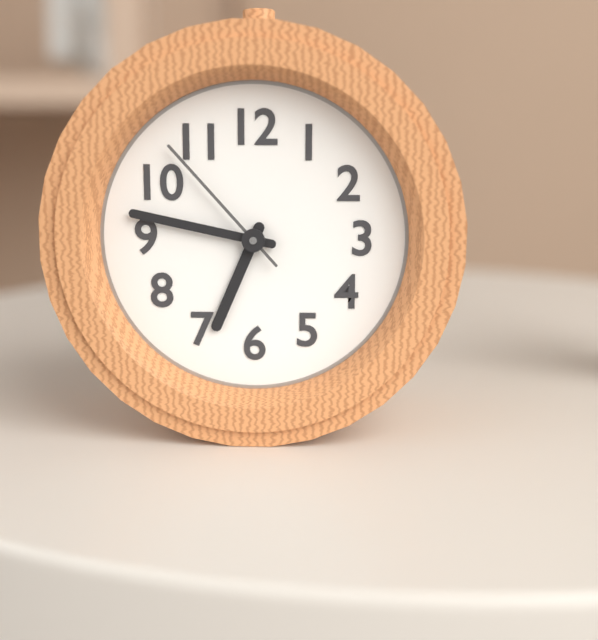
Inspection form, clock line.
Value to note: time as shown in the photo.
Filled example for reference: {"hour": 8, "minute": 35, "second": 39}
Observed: {"hour": 6, "minute": 47, "second": 53}
